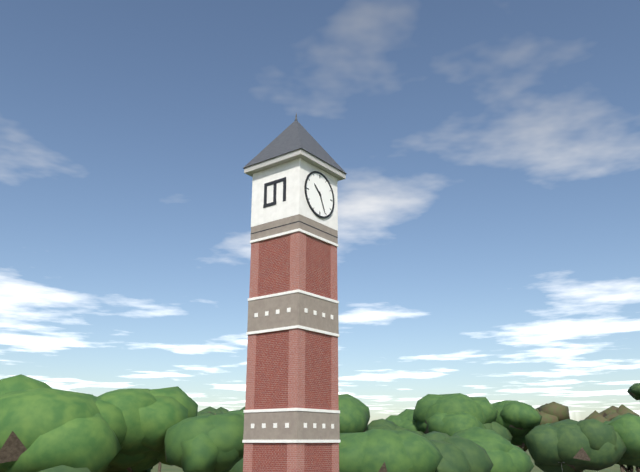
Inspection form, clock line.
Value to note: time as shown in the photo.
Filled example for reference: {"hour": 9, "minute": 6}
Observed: {"hour": 10, "minute": 26}
